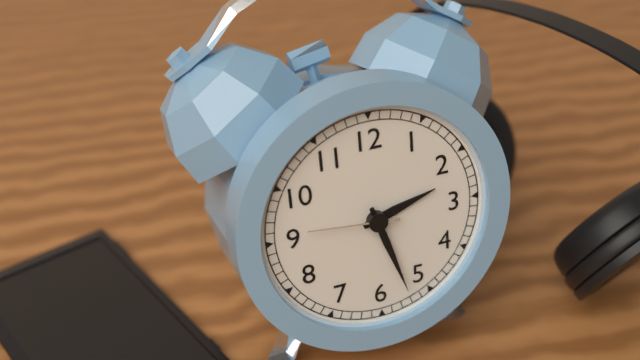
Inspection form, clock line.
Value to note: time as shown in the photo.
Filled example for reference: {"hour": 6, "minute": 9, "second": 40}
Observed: {"hour": 2, "minute": 27, "second": 46}
